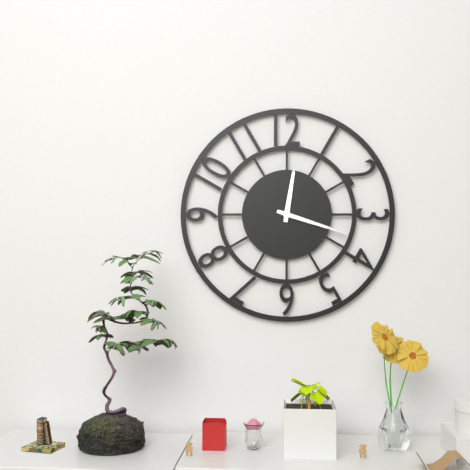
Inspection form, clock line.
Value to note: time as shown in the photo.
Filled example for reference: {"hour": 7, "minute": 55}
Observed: {"hour": 12, "minute": 18}
